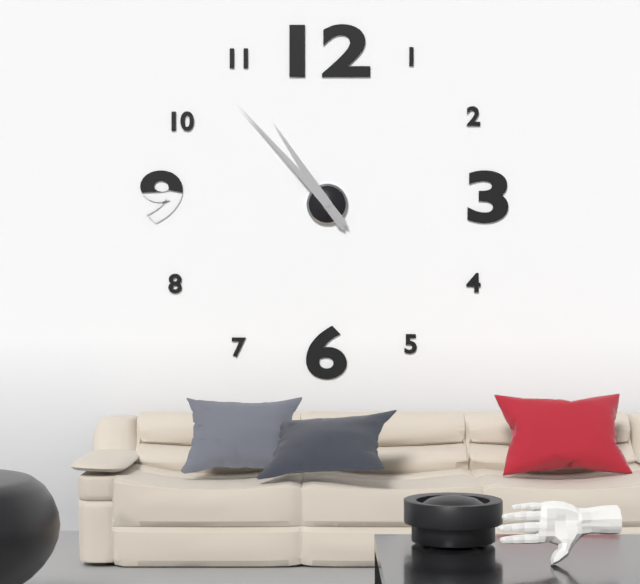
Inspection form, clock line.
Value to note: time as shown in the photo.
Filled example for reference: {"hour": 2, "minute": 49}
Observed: {"hour": 10, "minute": 53}
